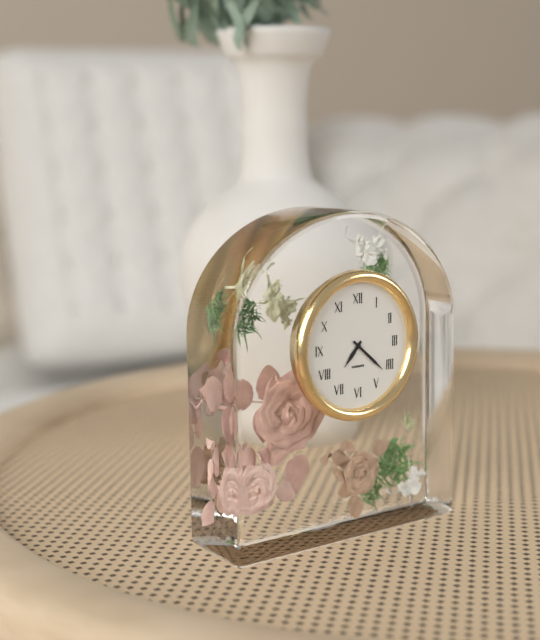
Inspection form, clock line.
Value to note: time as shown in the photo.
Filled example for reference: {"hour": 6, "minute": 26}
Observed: {"hour": 7, "minute": 22}
